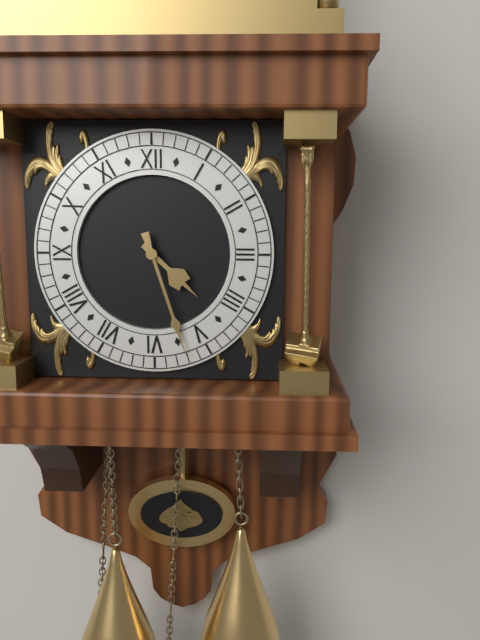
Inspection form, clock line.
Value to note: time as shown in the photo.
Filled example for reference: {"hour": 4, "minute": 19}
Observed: {"hour": 4, "minute": 27}
